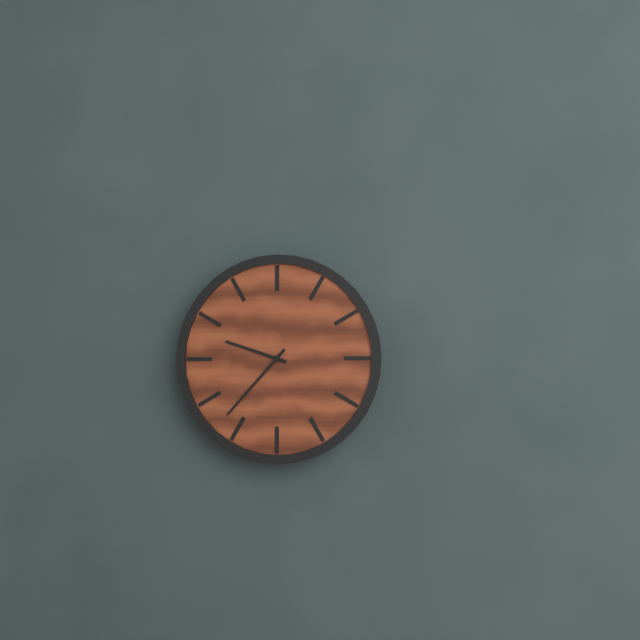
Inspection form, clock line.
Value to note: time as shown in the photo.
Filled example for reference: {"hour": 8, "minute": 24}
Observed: {"hour": 9, "minute": 37}
